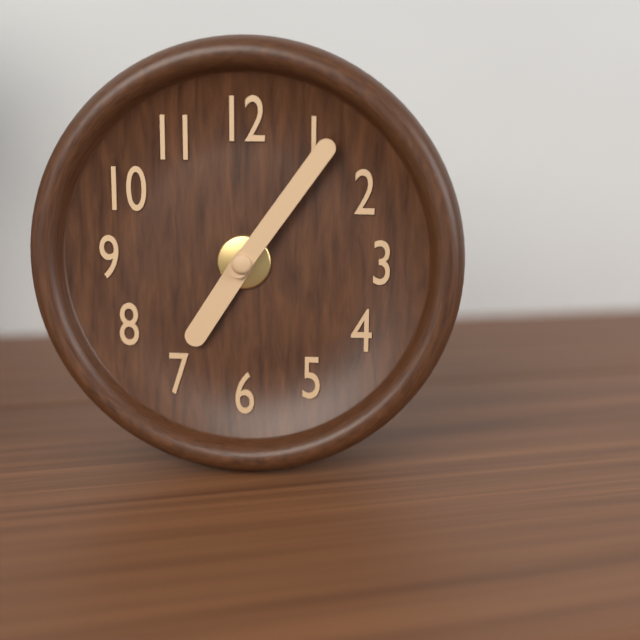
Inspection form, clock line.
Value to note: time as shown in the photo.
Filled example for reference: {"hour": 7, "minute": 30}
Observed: {"hour": 7, "minute": 6}
